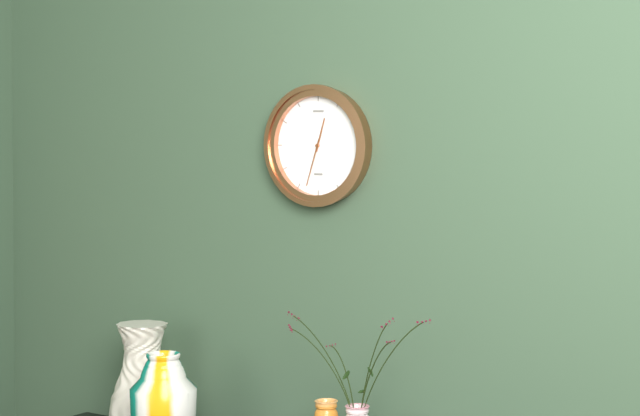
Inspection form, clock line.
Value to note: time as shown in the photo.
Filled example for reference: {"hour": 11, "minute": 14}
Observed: {"hour": 12, "minute": 33}
